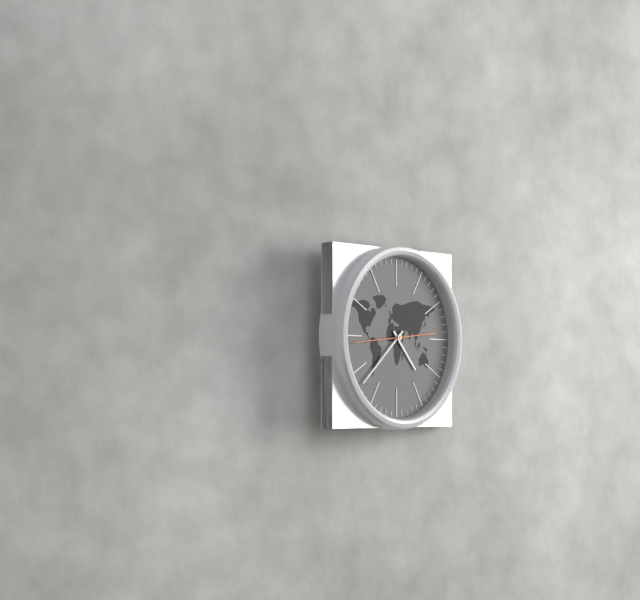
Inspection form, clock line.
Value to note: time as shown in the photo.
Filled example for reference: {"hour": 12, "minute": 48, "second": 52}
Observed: {"hour": 4, "minute": 38, "second": 44}
